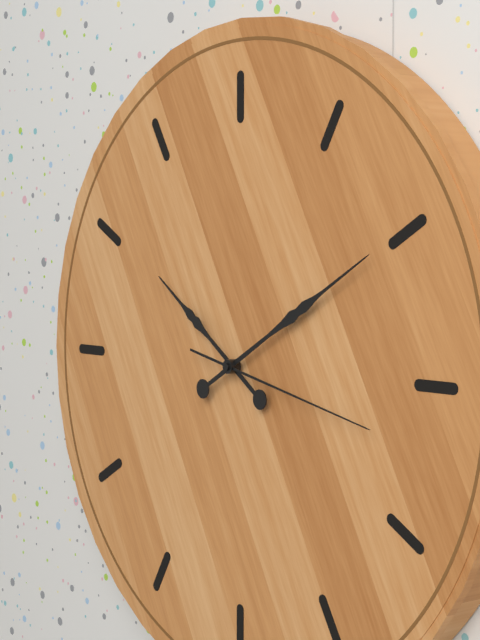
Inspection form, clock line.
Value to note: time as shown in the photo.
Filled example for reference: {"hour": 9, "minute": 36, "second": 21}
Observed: {"hour": 10, "minute": 10, "second": 17}
